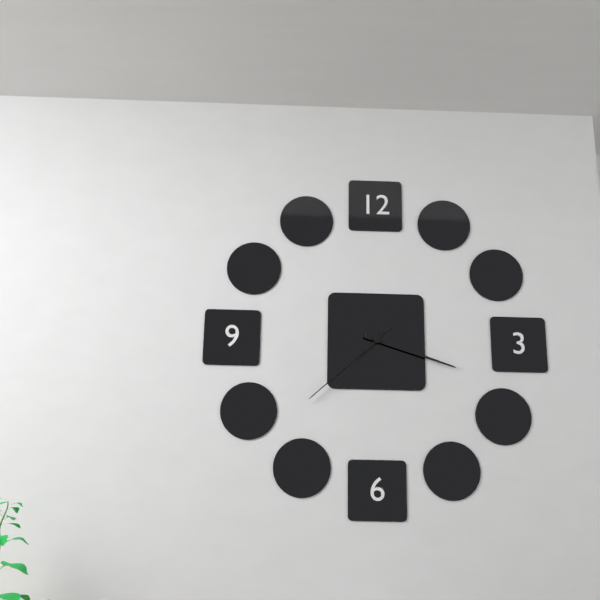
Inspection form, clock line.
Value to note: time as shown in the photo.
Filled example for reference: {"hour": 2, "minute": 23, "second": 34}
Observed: {"hour": 7, "minute": 18, "second": 38}
